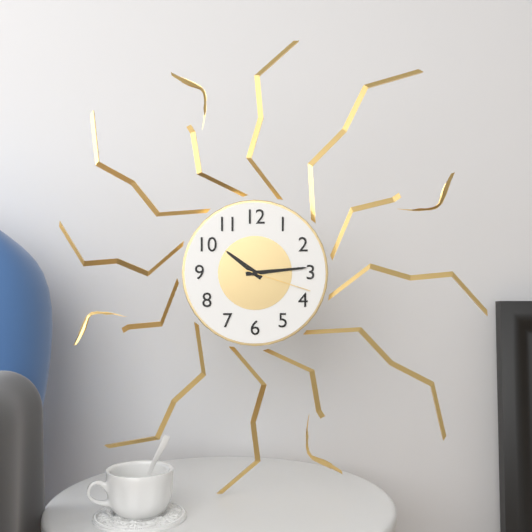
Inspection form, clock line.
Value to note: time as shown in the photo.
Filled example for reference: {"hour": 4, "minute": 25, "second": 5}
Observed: {"hour": 10, "minute": 14, "second": 18}
